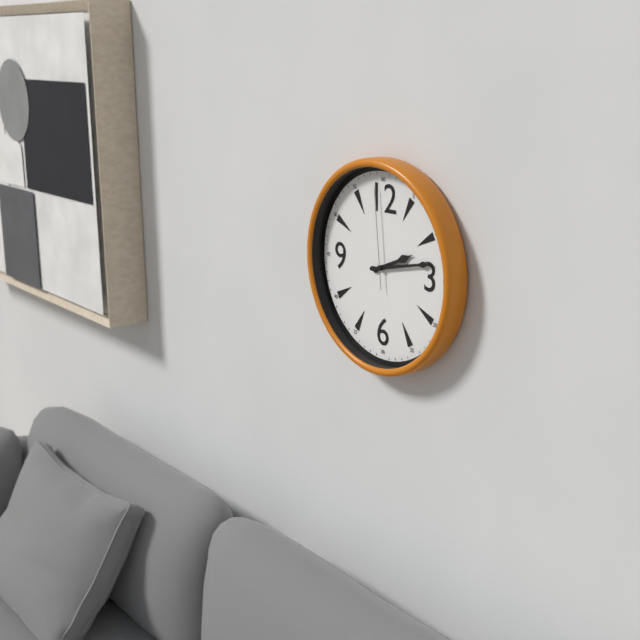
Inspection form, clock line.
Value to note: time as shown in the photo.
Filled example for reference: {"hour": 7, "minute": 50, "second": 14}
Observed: {"hour": 2, "minute": 13, "second": 59}
